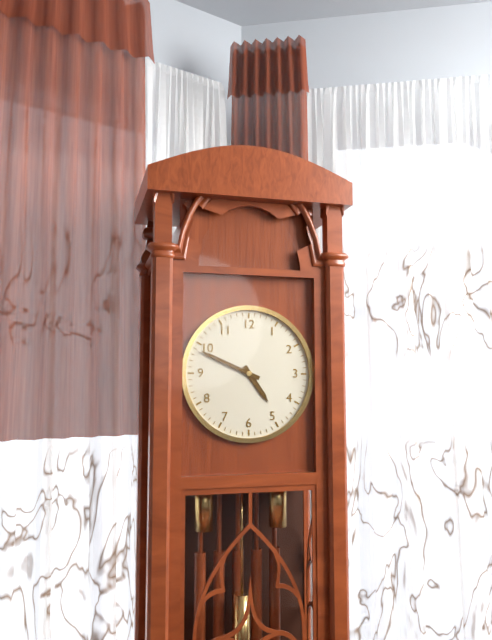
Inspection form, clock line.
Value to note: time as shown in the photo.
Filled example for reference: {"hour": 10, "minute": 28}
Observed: {"hour": 4, "minute": 49}
